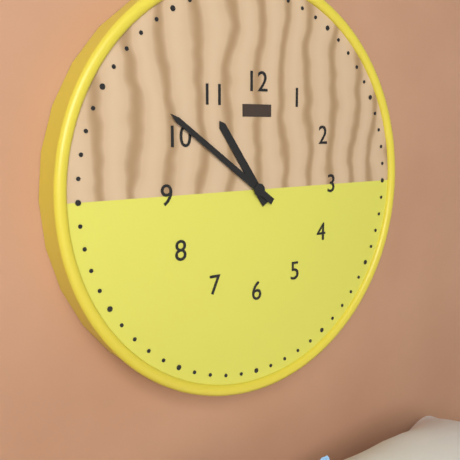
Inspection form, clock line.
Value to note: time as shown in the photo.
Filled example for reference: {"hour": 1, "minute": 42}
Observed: {"hour": 10, "minute": 51}
